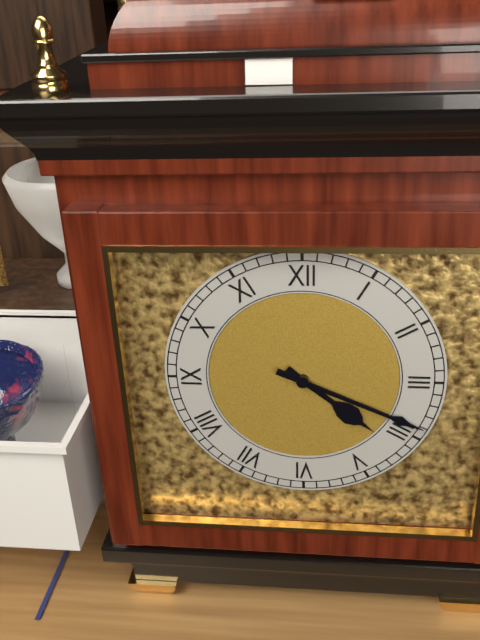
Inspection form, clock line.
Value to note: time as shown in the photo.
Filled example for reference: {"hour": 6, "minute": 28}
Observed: {"hour": 4, "minute": 19}
